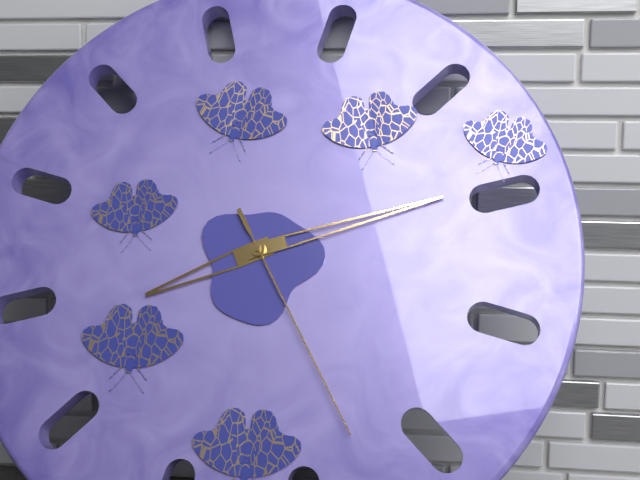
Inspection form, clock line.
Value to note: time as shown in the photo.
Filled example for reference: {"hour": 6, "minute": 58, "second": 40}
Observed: {"hour": 8, "minute": 12, "second": 25}
